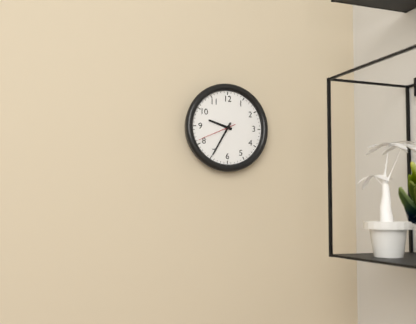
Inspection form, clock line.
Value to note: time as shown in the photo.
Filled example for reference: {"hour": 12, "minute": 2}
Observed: {"hour": 9, "minute": 35}
